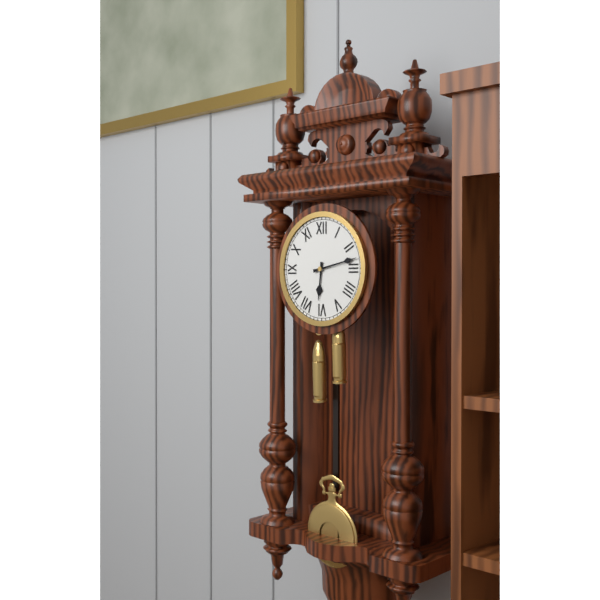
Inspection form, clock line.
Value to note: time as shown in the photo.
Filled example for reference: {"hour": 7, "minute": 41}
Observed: {"hour": 6, "minute": 13}
